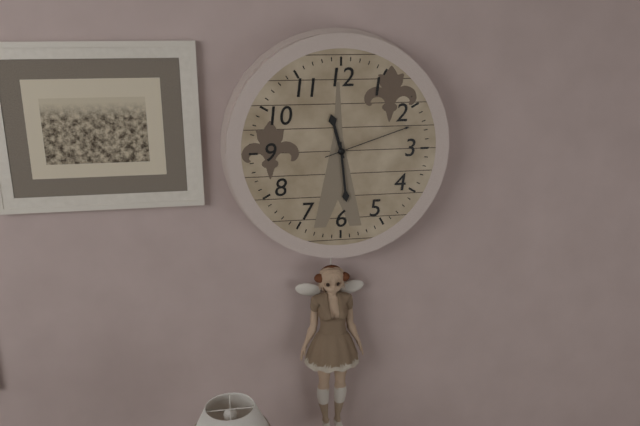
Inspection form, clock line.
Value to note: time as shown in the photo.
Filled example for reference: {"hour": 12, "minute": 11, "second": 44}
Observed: {"hour": 11, "minute": 29, "second": 12}
